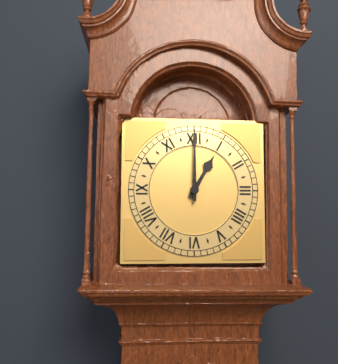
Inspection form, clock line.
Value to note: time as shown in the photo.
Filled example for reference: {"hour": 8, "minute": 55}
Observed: {"hour": 1, "minute": 0}
